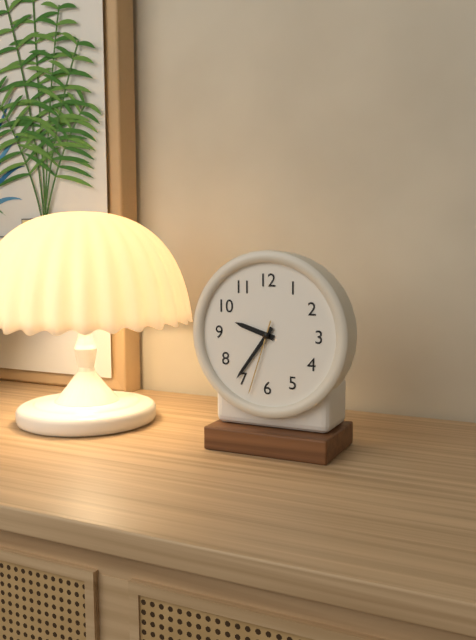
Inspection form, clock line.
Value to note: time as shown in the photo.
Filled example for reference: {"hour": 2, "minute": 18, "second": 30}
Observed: {"hour": 9, "minute": 36, "second": 33}
